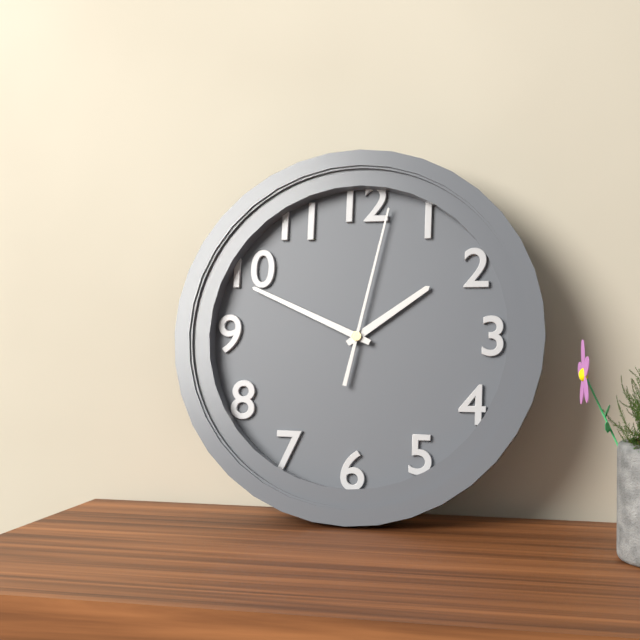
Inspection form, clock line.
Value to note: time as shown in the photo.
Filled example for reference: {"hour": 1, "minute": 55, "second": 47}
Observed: {"hour": 1, "minute": 49, "second": 2}
